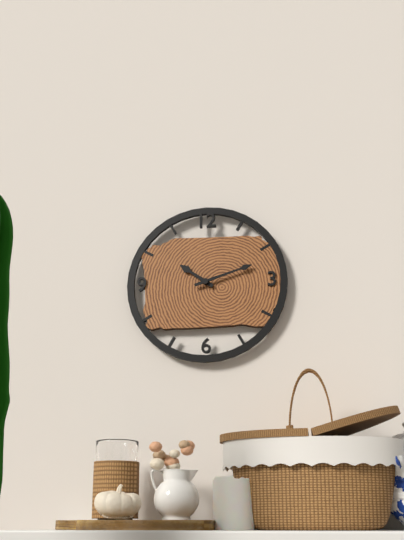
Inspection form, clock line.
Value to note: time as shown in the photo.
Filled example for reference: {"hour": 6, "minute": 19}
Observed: {"hour": 10, "minute": 12}
